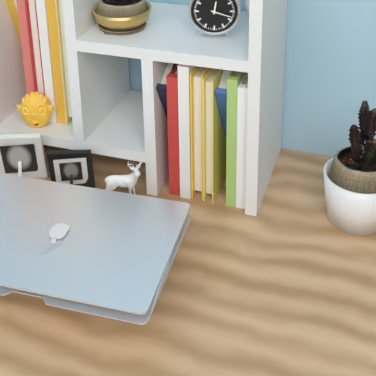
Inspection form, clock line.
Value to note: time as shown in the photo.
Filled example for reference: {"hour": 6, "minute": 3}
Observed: {"hour": 12, "minute": 18}
